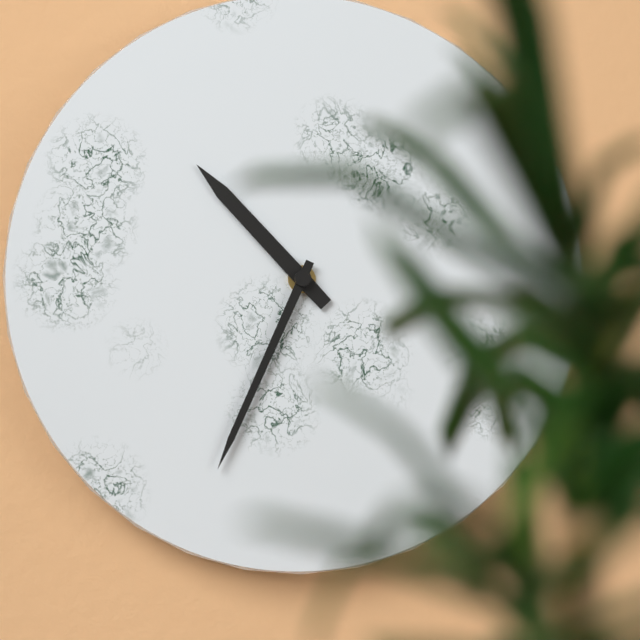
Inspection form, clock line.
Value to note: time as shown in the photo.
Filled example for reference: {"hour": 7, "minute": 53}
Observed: {"hour": 10, "minute": 34}
